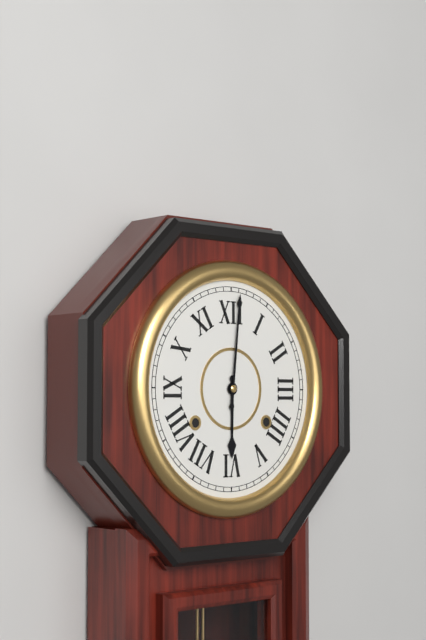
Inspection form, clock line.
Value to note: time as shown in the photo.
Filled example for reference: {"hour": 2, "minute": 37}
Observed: {"hour": 6, "minute": 1}
